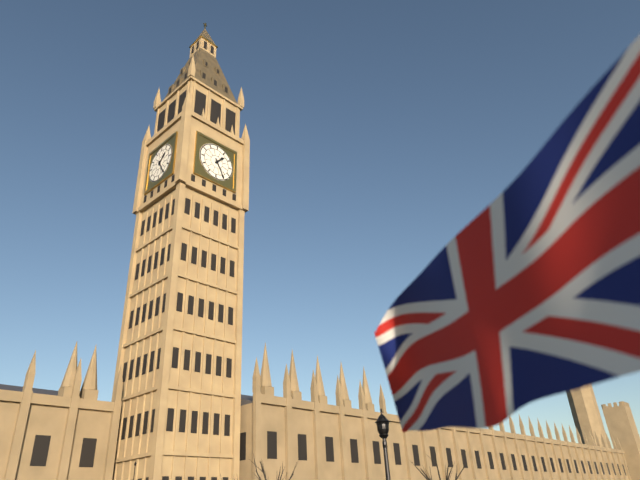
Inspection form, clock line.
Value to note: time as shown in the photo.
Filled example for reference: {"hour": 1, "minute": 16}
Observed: {"hour": 1, "minute": 25}
